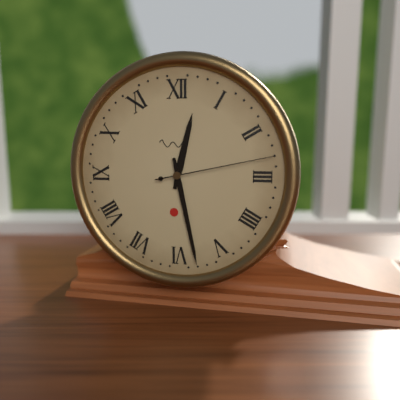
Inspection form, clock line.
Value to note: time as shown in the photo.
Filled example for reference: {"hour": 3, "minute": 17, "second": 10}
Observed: {"hour": 12, "minute": 28, "second": 13}
